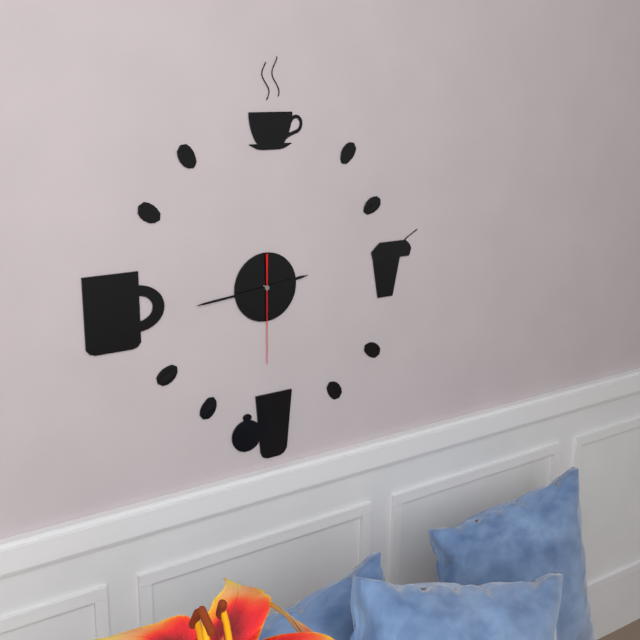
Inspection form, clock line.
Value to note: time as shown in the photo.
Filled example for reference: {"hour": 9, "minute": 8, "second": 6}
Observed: {"hour": 2, "minute": 44, "second": 30}
